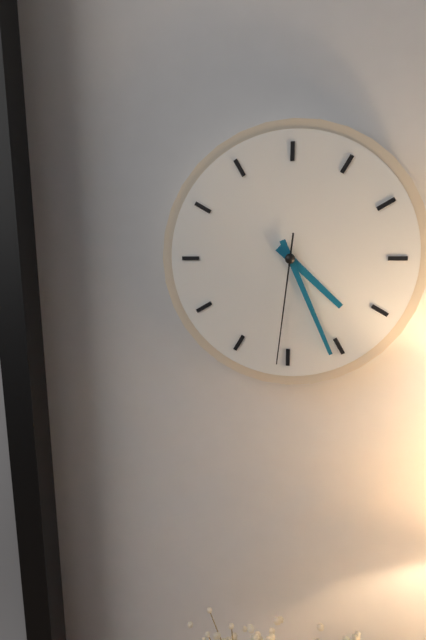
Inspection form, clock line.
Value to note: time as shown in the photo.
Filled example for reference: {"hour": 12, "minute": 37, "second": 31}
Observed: {"hour": 4, "minute": 26, "second": 31}
